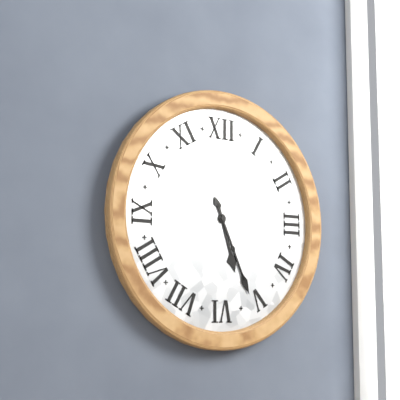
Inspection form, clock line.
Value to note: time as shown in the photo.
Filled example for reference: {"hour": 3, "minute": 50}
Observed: {"hour": 5, "minute": 26}
